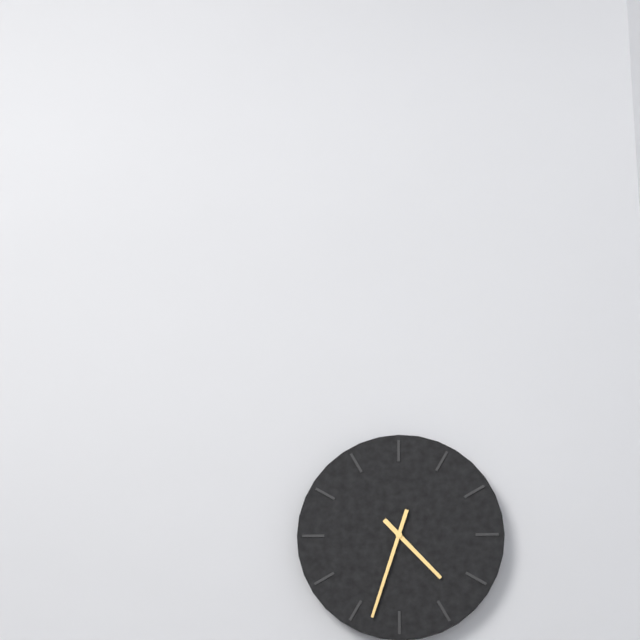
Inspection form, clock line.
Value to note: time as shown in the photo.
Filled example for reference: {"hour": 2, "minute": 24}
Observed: {"hour": 4, "minute": 33}
